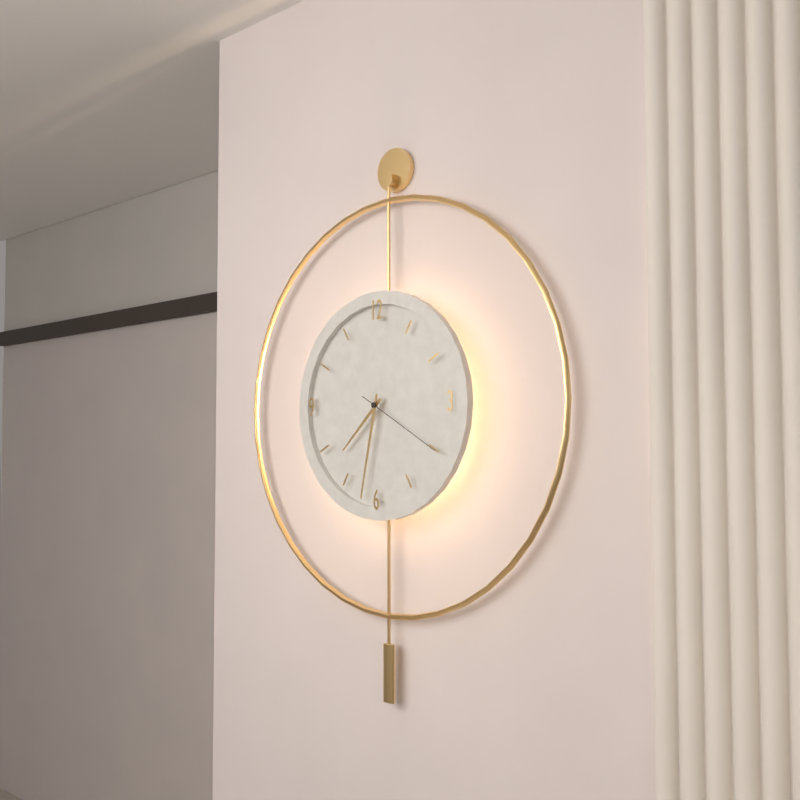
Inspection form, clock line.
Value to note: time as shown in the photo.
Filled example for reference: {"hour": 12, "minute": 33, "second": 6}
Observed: {"hour": 7, "minute": 32, "second": 20}
